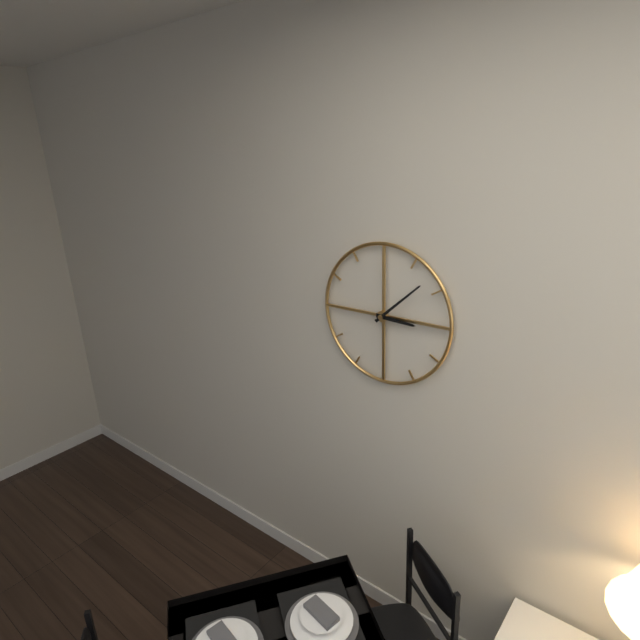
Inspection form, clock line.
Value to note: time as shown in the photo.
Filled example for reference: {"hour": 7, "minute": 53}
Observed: {"hour": 3, "minute": 8}
